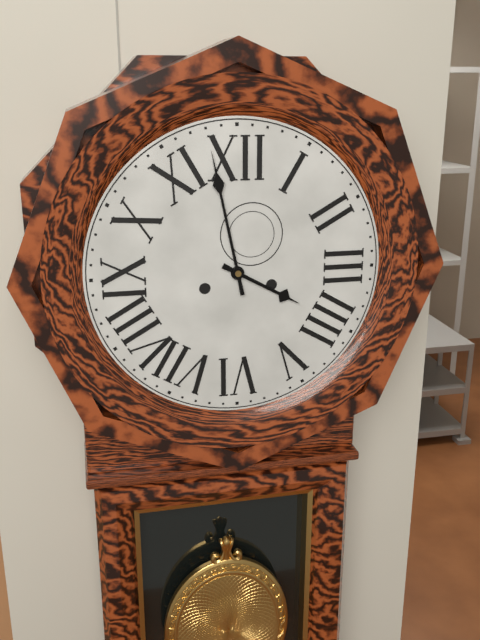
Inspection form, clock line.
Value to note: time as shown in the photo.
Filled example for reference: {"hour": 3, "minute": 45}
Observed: {"hour": 3, "minute": 58}
